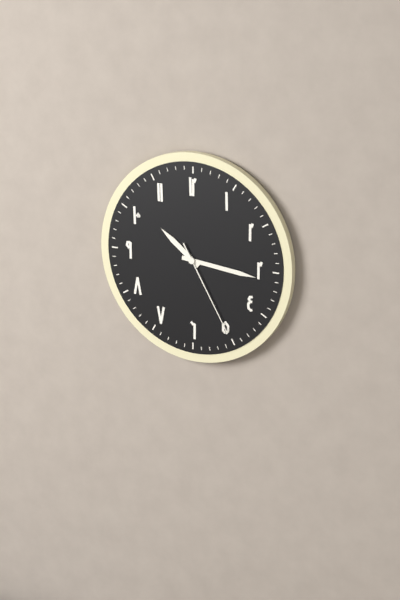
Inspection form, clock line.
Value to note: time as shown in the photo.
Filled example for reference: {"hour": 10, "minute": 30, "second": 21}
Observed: {"hour": 10, "minute": 16, "second": 25}
